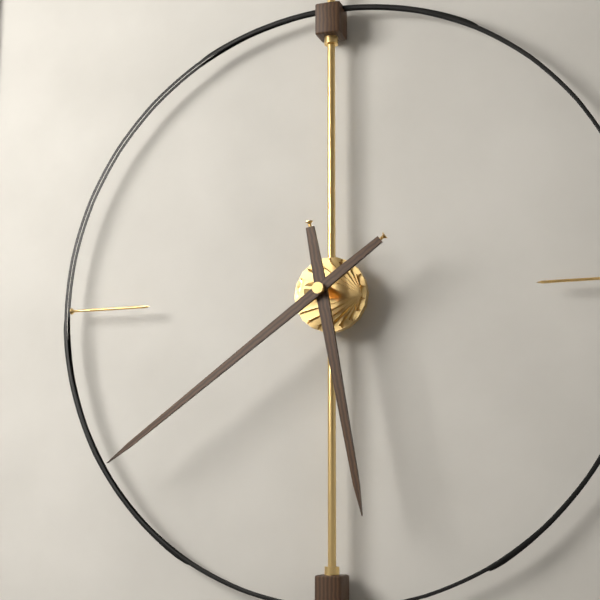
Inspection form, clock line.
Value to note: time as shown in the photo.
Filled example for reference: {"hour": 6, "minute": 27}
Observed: {"hour": 5, "minute": 39}
